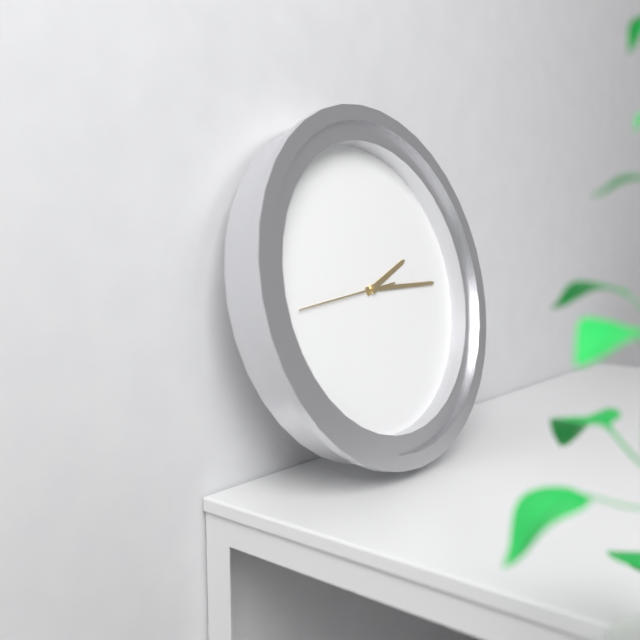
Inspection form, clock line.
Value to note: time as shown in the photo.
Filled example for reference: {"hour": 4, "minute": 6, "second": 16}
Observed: {"hour": 2, "minute": 15, "second": 44}
